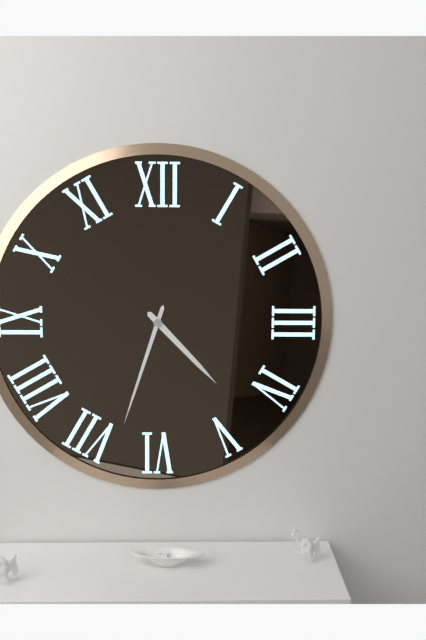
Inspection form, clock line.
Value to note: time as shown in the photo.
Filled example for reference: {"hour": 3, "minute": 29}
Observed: {"hour": 4, "minute": 33}
